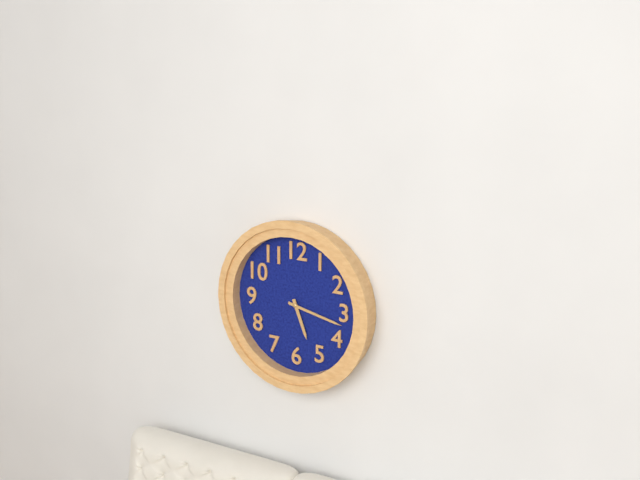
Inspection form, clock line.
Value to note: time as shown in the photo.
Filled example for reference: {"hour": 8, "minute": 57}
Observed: {"hour": 5, "minute": 17}
